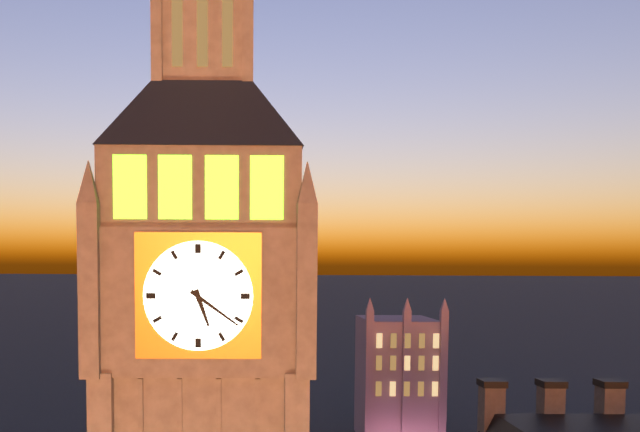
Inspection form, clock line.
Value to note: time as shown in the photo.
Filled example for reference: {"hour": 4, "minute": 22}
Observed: {"hour": 5, "minute": 21}
